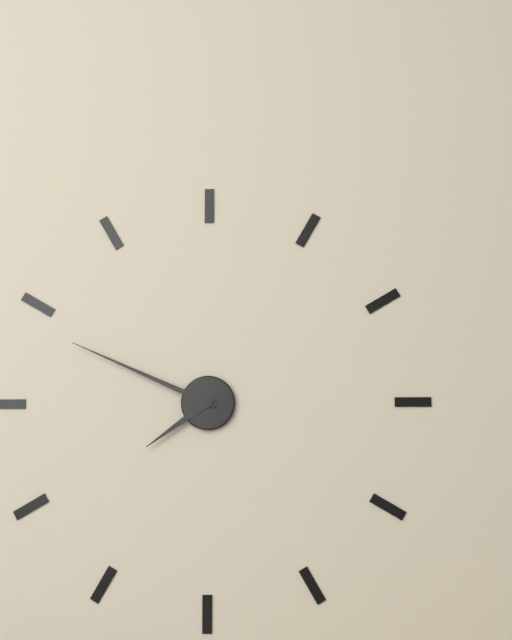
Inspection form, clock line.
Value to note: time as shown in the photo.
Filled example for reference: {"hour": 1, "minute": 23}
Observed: {"hour": 7, "minute": 49}
